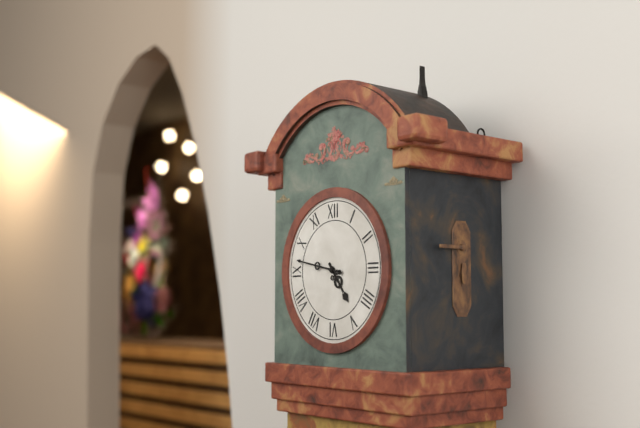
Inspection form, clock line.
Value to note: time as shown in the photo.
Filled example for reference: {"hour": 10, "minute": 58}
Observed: {"hour": 4, "minute": 47}
